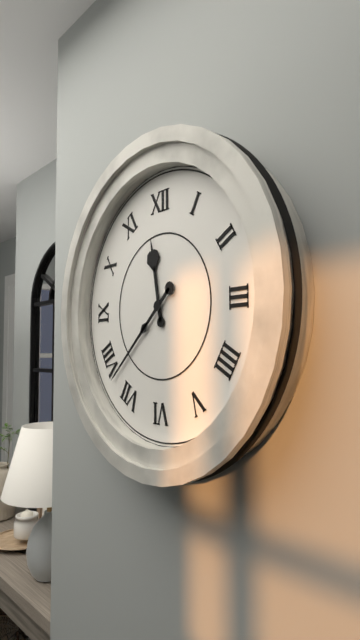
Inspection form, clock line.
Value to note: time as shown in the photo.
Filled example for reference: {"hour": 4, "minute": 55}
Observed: {"hour": 11, "minute": 38}
